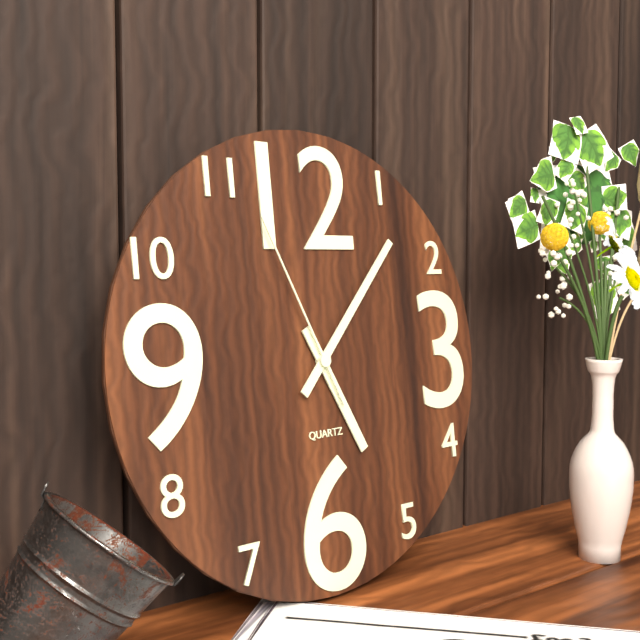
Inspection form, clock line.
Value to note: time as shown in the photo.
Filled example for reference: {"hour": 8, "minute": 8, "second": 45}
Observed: {"hour": 5, "minute": 7, "second": 56}
